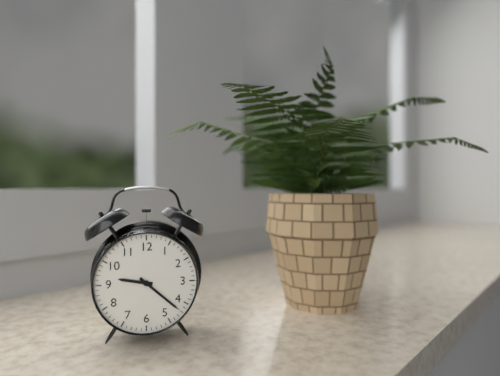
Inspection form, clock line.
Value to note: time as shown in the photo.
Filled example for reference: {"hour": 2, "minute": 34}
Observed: {"hour": 9, "minute": 22}
